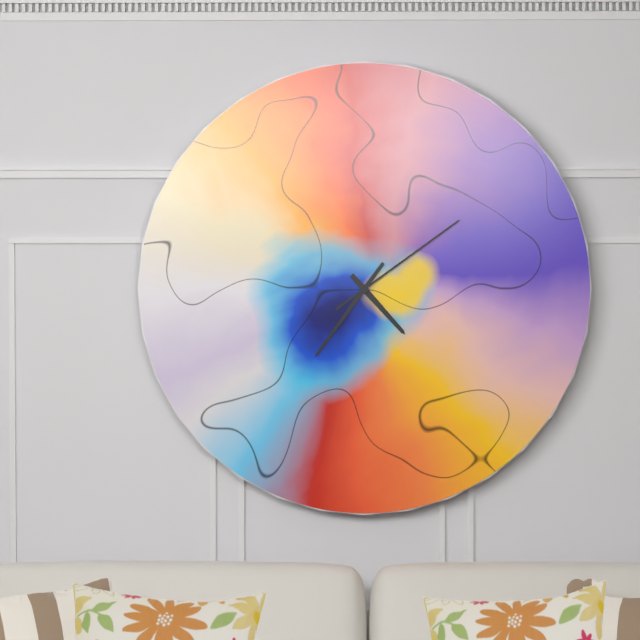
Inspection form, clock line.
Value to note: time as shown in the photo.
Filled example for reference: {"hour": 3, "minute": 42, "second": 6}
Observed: {"hour": 4, "minute": 36, "second": 9}
